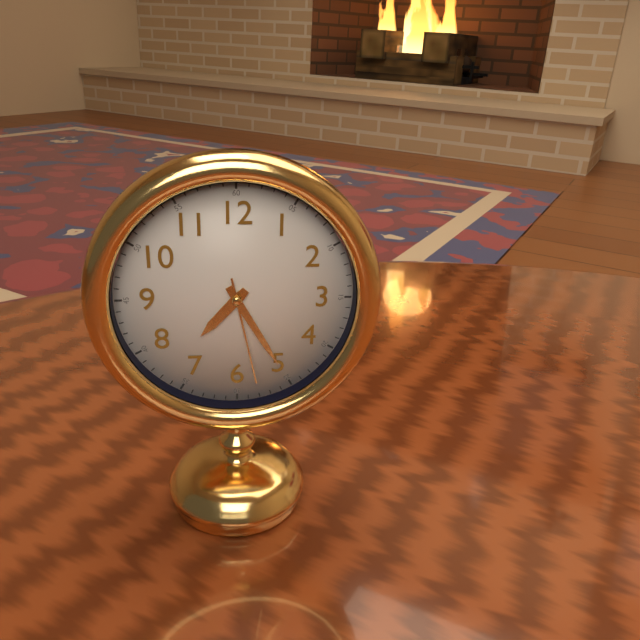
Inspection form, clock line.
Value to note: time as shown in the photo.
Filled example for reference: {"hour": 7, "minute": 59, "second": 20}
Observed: {"hour": 7, "minute": 25, "second": 28}
